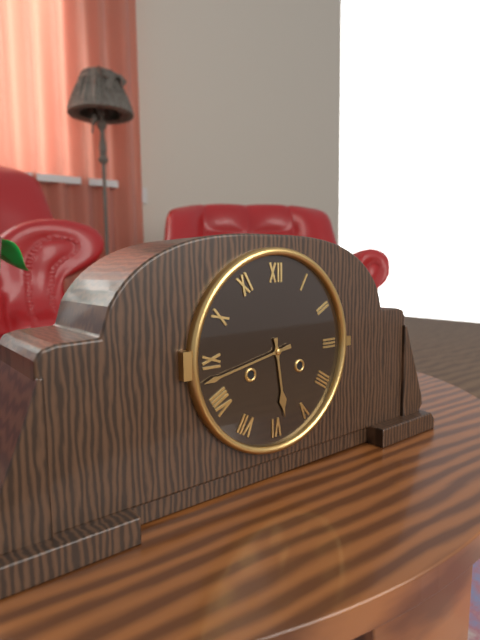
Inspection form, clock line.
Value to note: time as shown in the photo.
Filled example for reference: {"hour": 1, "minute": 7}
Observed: {"hour": 5, "minute": 43}
